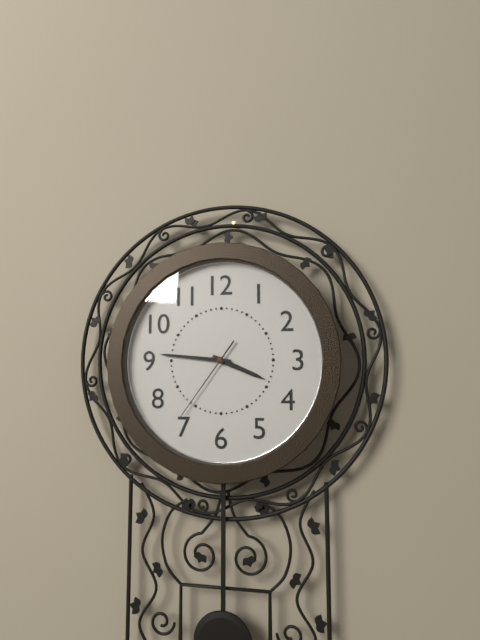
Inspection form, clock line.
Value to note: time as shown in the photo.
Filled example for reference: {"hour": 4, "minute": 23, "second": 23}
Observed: {"hour": 3, "minute": 46, "second": 36}
